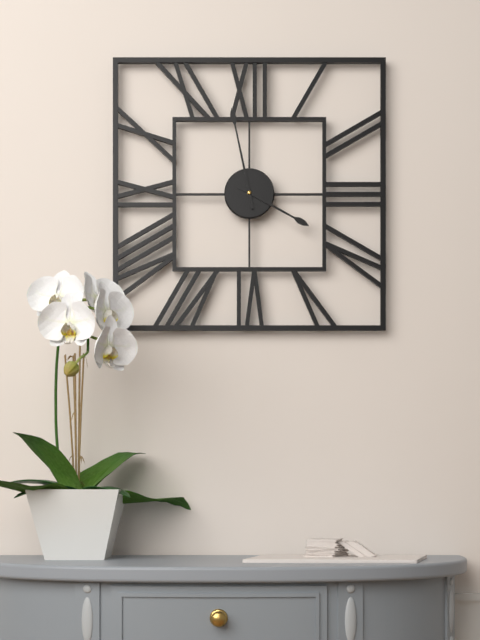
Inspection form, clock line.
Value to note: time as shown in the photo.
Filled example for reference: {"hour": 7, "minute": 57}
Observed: {"hour": 3, "minute": 58}
